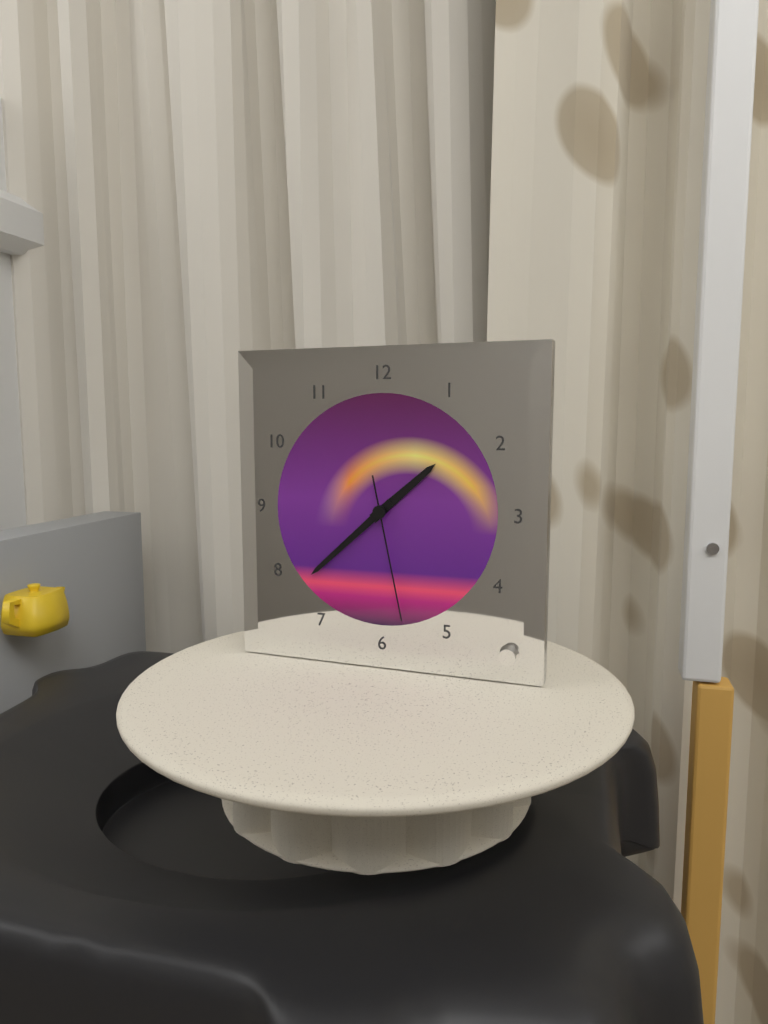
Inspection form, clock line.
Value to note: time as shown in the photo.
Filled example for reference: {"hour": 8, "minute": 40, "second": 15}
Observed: {"hour": 1, "minute": 38, "second": 28}
